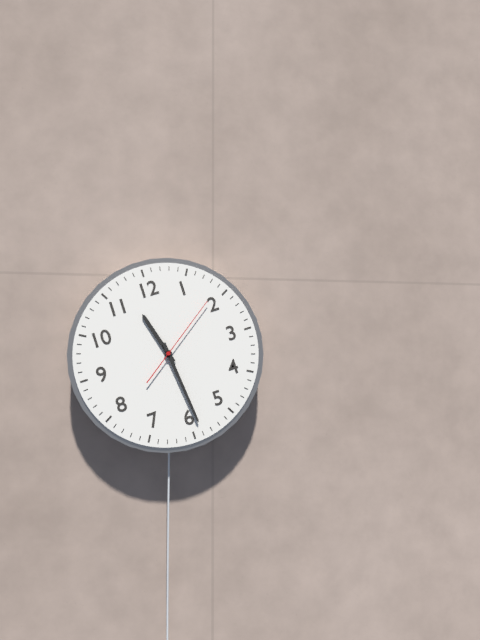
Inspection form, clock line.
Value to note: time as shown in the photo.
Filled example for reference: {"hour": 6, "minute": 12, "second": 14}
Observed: {"hour": 11, "minute": 29, "second": 9}
